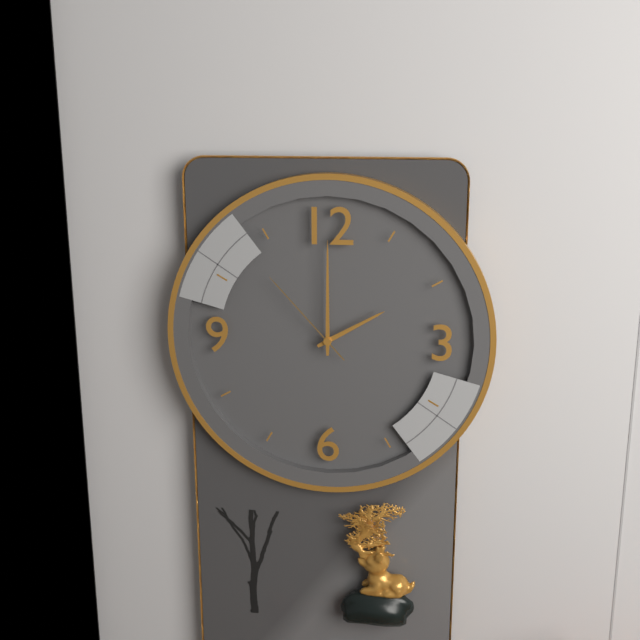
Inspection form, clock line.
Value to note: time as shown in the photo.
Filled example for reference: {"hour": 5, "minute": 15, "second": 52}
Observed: {"hour": 2, "minute": 0, "second": 53}
